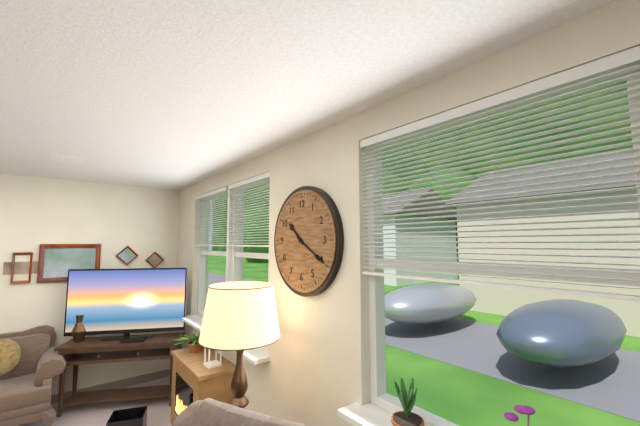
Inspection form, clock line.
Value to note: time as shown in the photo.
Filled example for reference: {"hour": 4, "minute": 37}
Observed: {"hour": 10, "minute": 20}
